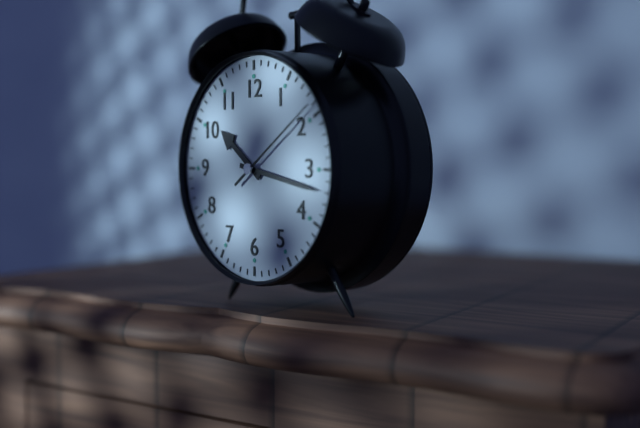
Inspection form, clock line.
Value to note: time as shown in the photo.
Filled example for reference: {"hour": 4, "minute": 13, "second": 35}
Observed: {"hour": 10, "minute": 17, "second": 9}
